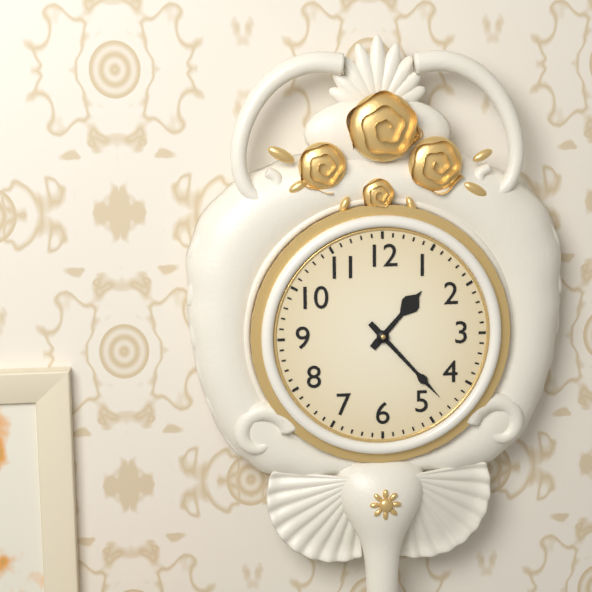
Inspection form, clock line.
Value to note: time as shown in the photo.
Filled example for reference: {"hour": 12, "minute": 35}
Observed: {"hour": 1, "minute": 23}
